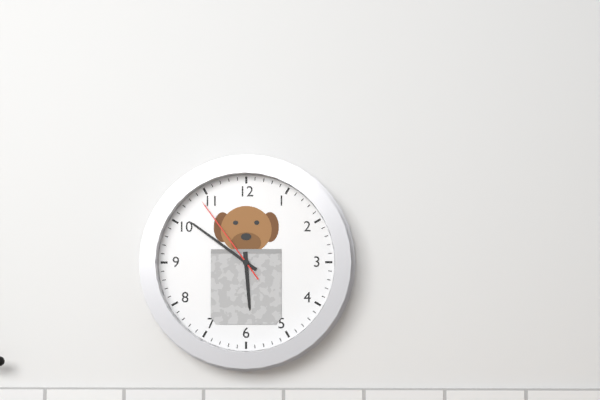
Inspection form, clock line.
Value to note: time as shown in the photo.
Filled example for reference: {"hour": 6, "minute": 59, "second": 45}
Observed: {"hour": 5, "minute": 51, "second": 54}
